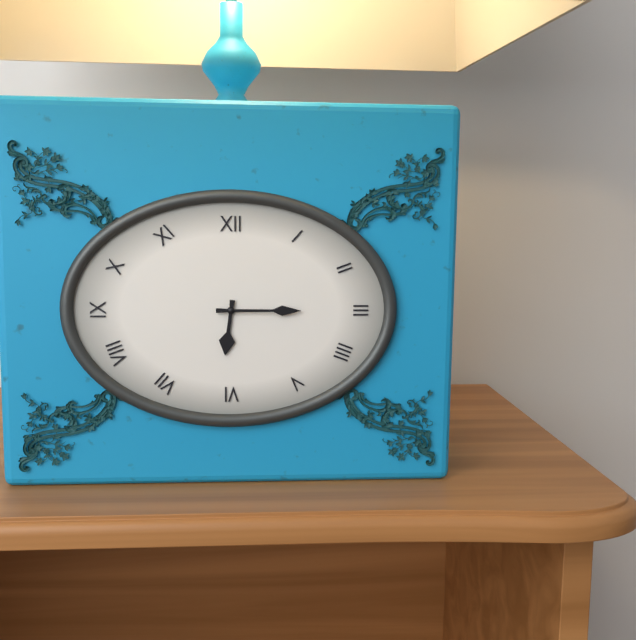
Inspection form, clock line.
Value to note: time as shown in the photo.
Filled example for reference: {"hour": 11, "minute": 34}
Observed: {"hour": 6, "minute": 15}
